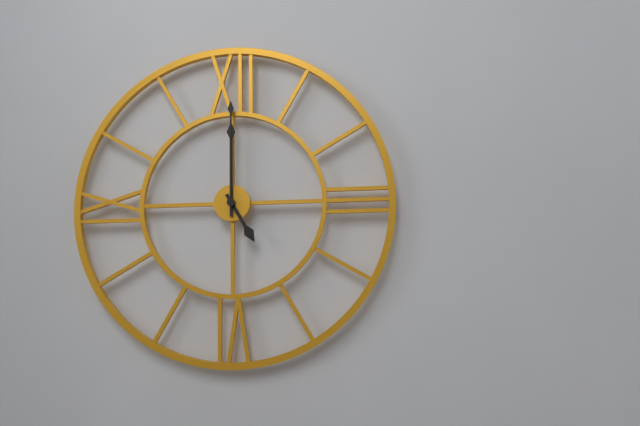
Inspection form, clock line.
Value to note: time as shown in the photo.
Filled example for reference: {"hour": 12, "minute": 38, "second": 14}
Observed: {"hour": 5, "minute": 0, "second": 0}
